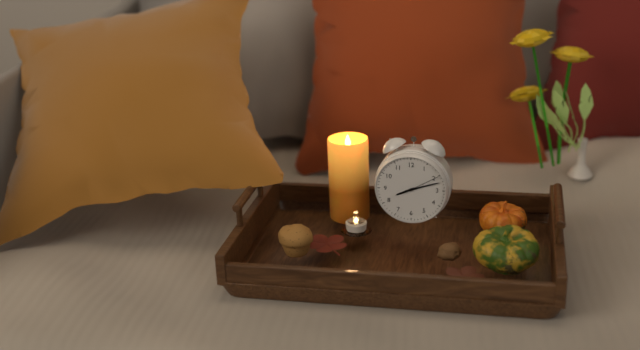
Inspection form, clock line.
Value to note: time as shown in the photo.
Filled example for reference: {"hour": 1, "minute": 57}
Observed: {"hour": 8, "minute": 12}
